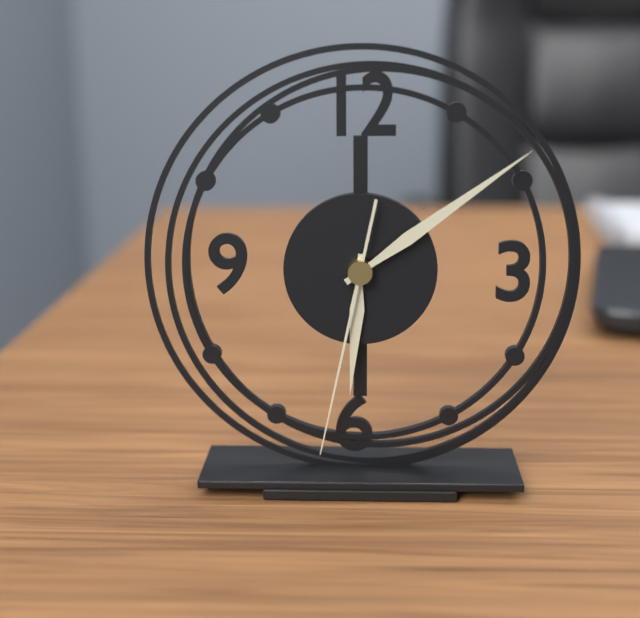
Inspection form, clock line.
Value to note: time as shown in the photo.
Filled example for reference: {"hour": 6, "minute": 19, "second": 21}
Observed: {"hour": 6, "minute": 9, "second": 32}
